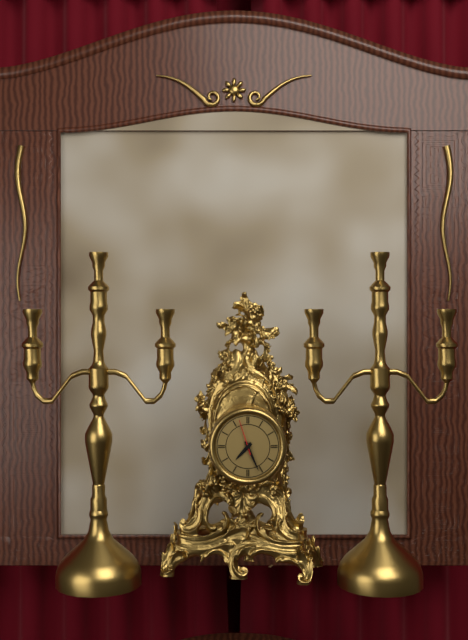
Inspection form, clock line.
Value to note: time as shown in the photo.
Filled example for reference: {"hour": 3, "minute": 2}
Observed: {"hour": 7, "minute": 26}
